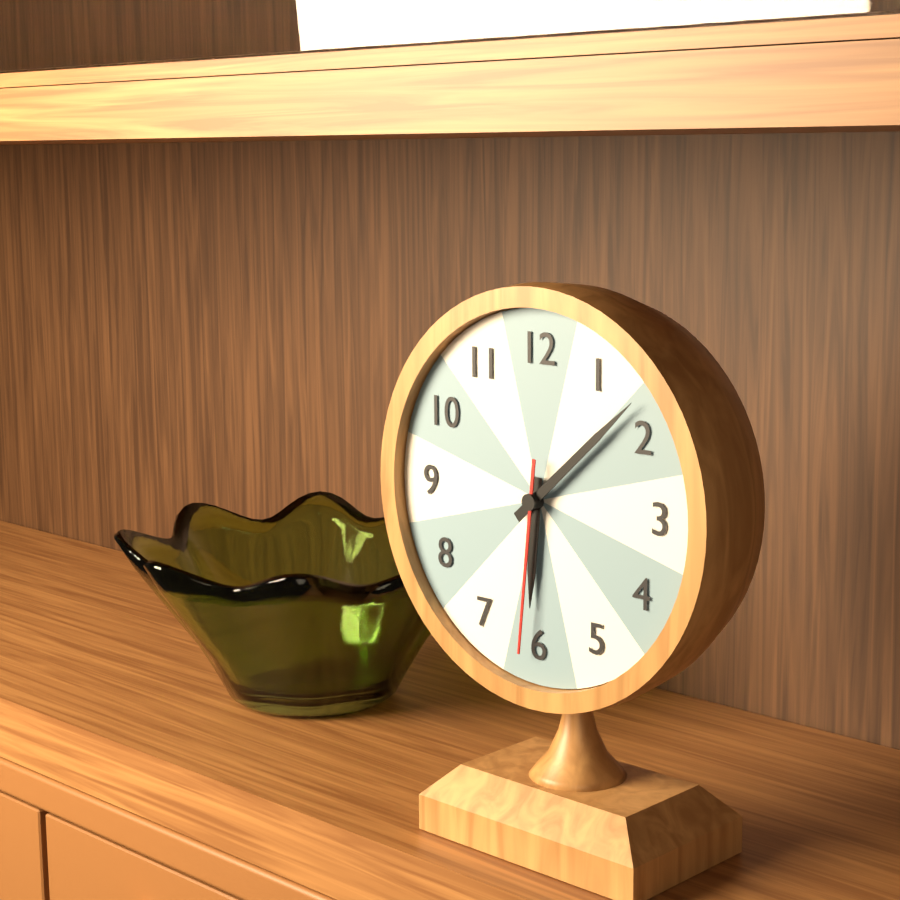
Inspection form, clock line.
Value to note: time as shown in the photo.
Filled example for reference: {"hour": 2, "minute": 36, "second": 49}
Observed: {"hour": 6, "minute": 8, "second": 31}
